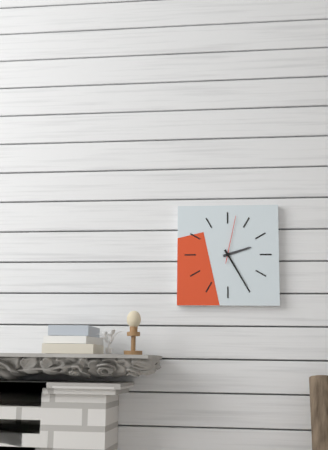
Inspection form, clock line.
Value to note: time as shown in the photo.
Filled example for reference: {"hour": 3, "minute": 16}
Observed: {"hour": 2, "minute": 25}
